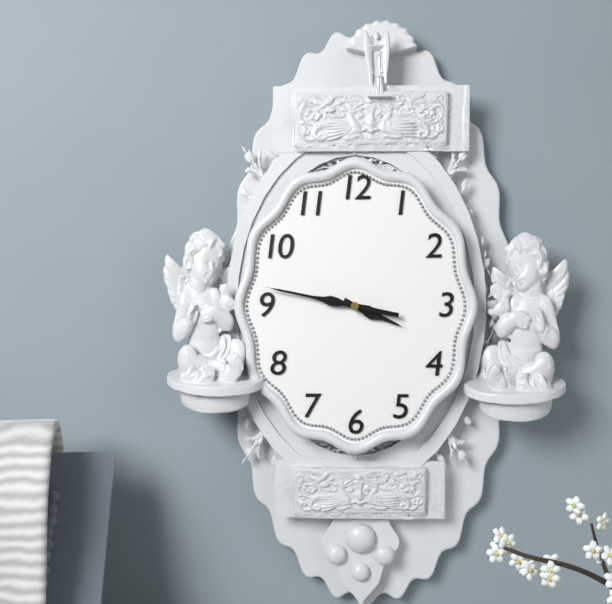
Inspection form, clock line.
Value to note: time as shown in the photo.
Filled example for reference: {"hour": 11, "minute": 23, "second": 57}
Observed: {"hour": 3, "minute": 47, "second": 47}
